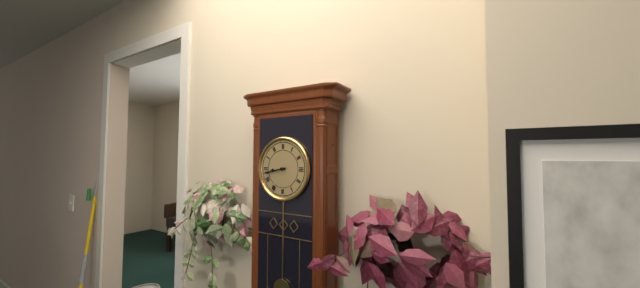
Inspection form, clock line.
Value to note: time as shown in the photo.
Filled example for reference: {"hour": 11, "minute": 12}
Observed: {"hour": 8, "minute": 43}
